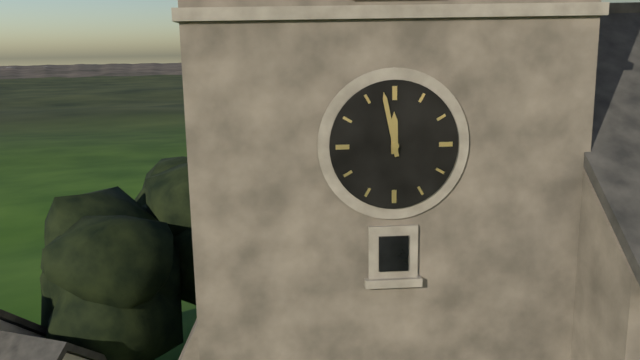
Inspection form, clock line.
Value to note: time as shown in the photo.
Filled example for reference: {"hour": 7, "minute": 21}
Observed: {"hour": 11, "minute": 58}
